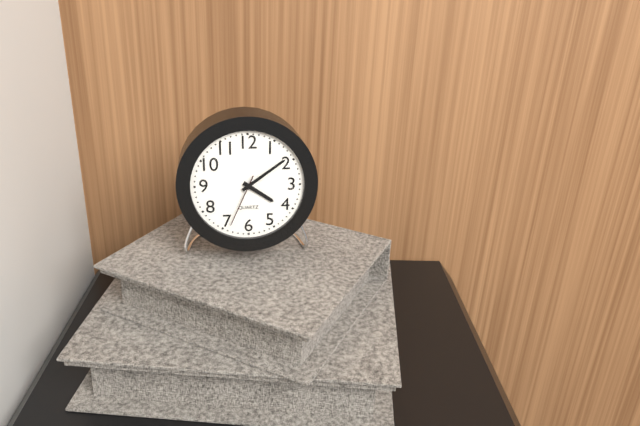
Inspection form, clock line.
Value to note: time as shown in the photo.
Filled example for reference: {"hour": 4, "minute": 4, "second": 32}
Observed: {"hour": 4, "minute": 9, "second": 34}
